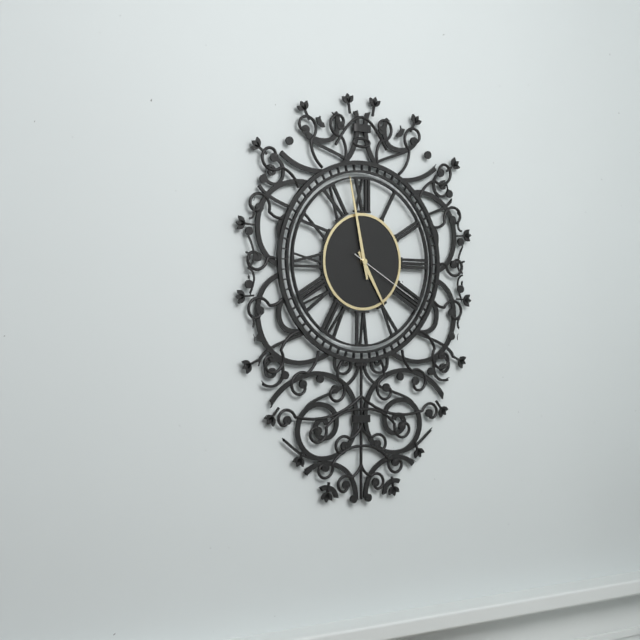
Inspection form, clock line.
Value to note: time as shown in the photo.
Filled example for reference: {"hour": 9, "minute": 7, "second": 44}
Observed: {"hour": 4, "minute": 58, "second": 20}
